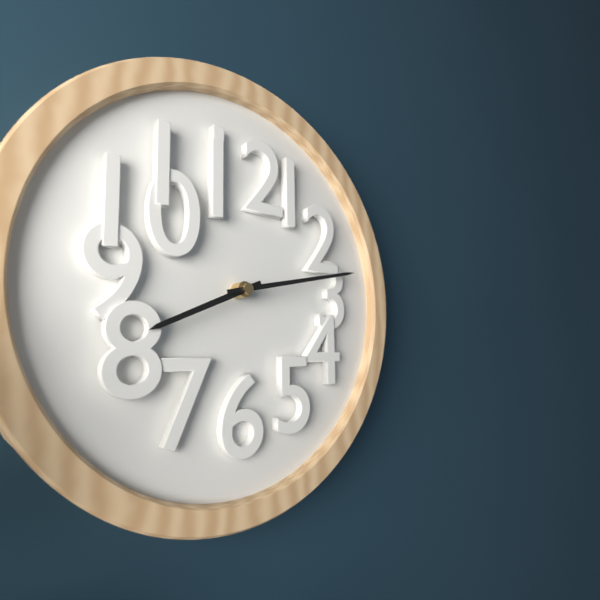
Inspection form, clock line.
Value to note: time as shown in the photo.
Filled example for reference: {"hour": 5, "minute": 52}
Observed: {"hour": 8, "minute": 13}
